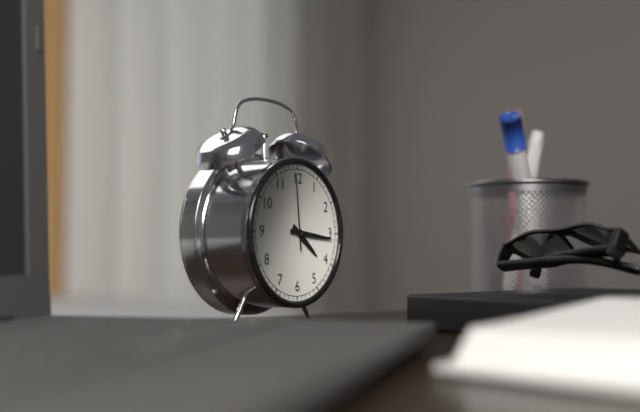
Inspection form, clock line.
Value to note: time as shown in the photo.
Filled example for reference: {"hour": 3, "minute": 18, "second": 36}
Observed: {"hour": 4, "minute": 16, "second": 59}
